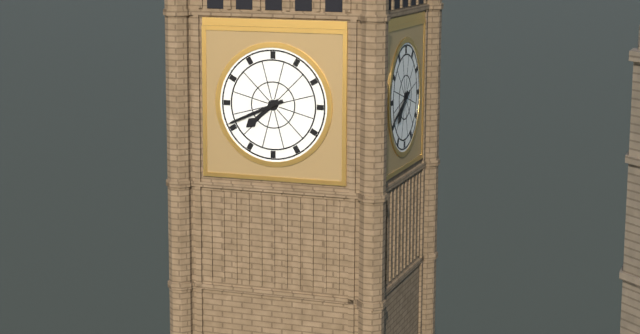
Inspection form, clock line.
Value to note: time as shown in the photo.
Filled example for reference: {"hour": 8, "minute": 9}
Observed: {"hour": 7, "minute": 41}
